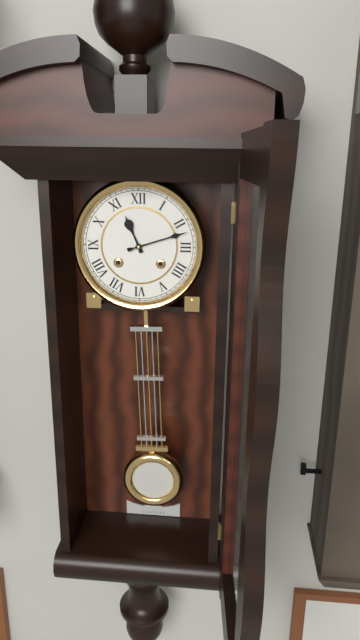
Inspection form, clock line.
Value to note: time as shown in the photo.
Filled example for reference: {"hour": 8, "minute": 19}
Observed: {"hour": 11, "minute": 12}
